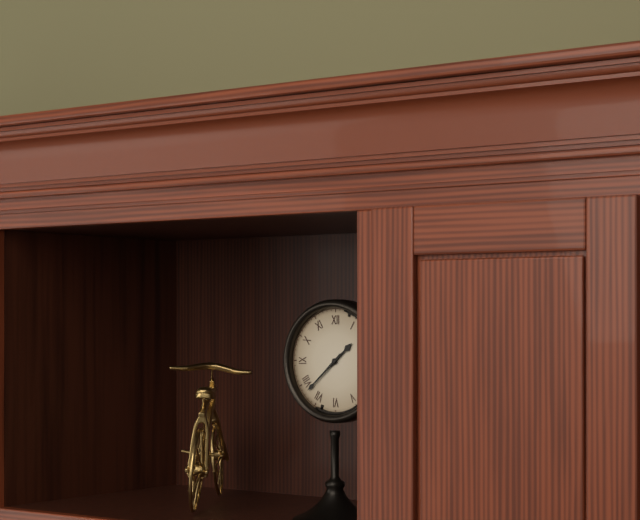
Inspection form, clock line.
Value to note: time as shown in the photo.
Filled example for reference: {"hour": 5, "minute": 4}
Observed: {"hour": 1, "minute": 38}
